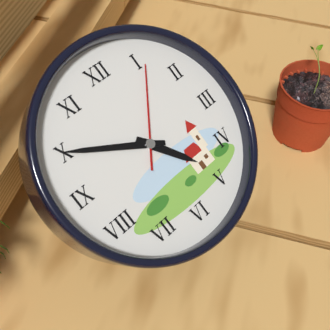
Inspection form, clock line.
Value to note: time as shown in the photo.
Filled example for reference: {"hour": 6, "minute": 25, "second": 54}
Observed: {"hour": 4, "minute": 50, "second": 6}
